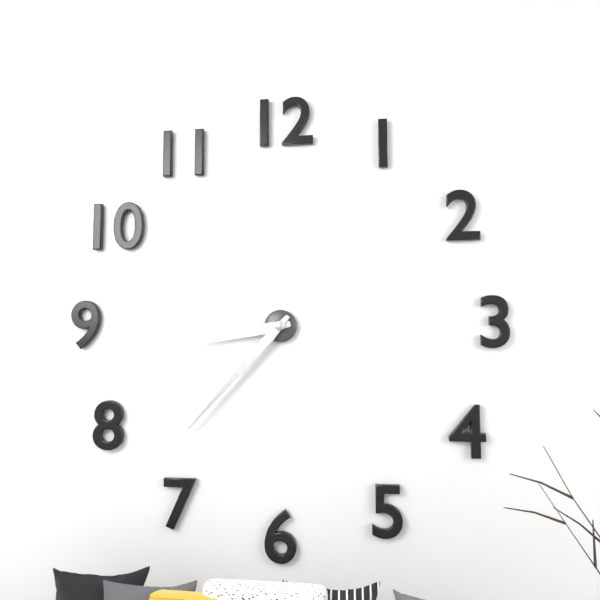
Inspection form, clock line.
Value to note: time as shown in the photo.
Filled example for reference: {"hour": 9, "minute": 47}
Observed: {"hour": 8, "minute": 37}
